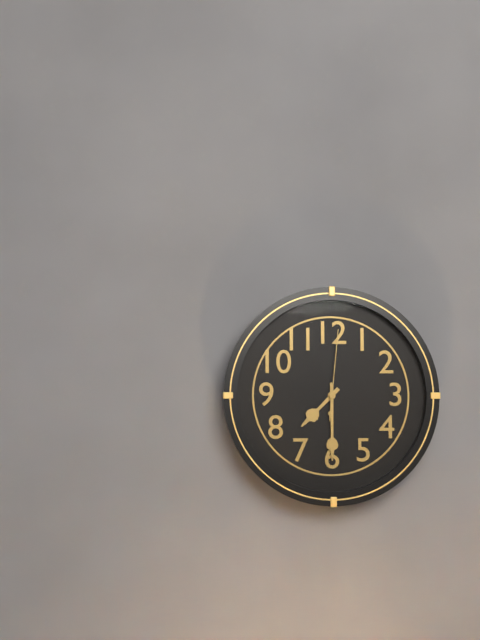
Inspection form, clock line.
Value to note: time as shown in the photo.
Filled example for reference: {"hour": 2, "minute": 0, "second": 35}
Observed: {"hour": 7, "minute": 30, "second": 1}
